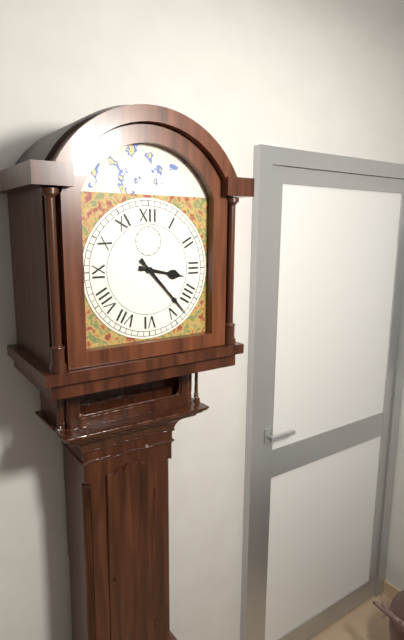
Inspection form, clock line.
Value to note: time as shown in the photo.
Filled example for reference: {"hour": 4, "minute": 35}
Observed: {"hour": 3, "minute": 23}
